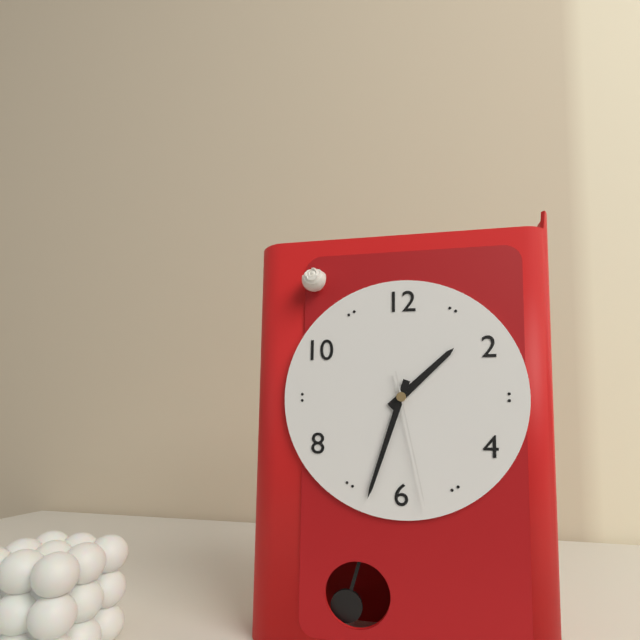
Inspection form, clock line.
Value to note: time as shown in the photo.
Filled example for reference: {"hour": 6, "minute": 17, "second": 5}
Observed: {"hour": 1, "minute": 33, "second": 28}
